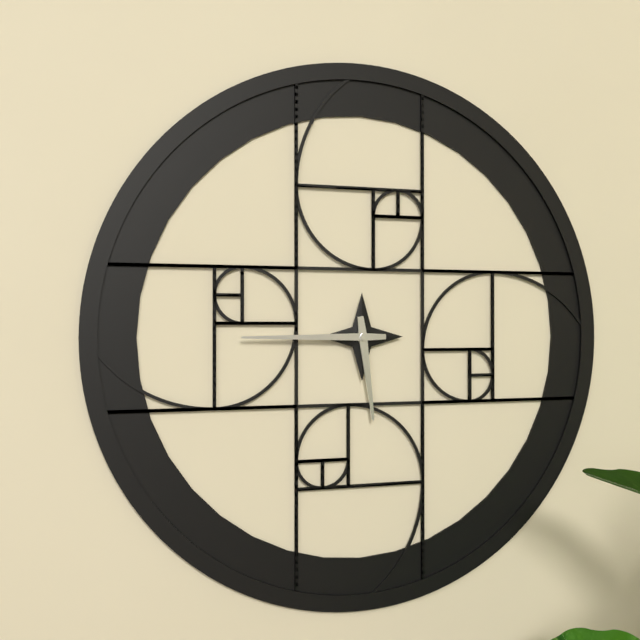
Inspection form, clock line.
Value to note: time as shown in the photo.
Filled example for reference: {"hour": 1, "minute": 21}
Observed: {"hour": 5, "minute": 45}
